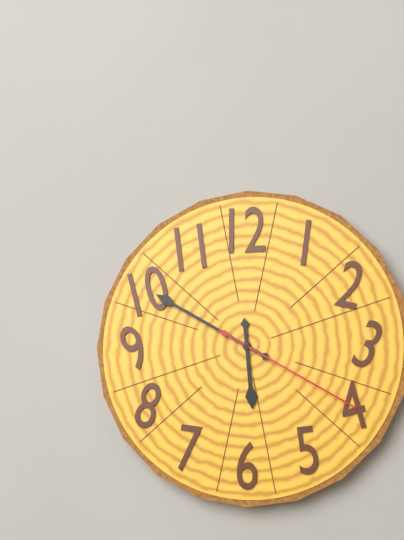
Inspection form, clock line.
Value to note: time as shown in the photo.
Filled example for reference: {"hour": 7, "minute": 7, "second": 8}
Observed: {"hour": 5, "minute": 50, "second": 20}
